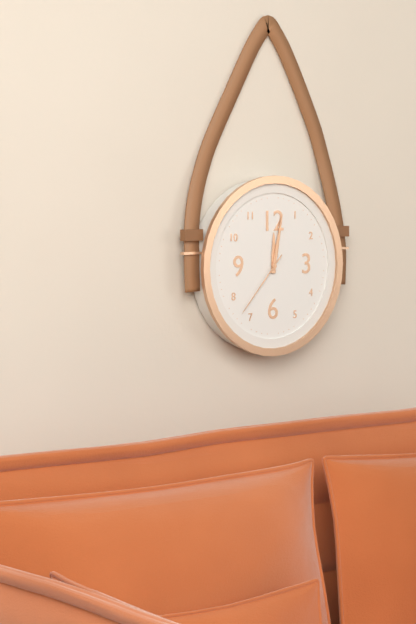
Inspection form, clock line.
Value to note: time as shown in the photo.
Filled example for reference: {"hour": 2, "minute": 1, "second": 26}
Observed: {"hour": 12, "minute": 2, "second": 37}
